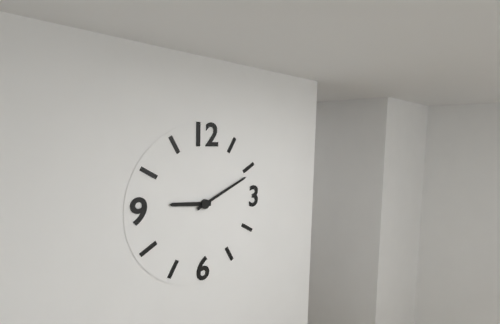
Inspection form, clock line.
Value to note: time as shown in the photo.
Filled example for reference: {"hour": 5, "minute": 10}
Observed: {"hour": 9, "minute": 11}
